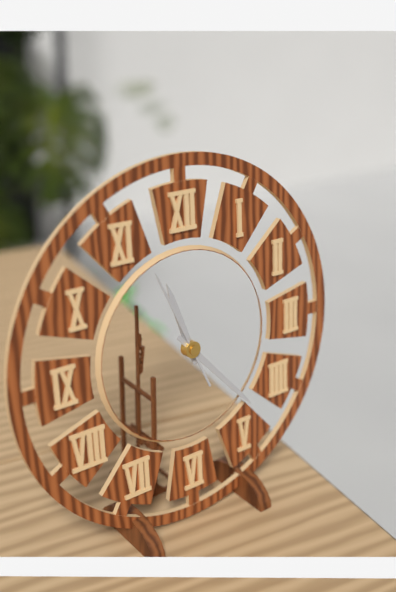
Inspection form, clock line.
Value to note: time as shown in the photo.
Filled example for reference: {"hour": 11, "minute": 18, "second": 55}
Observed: {"hour": 11, "minute": 23, "second": 56}
